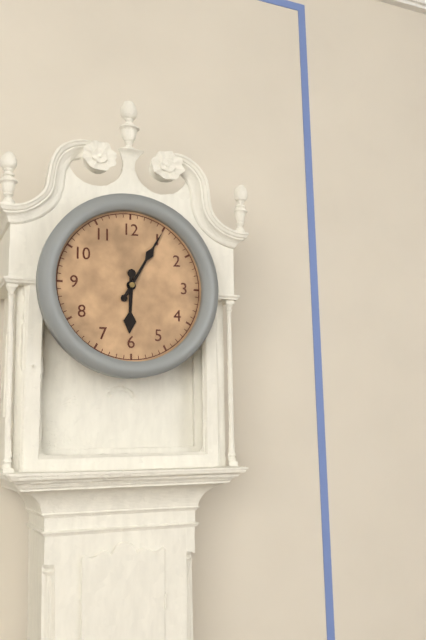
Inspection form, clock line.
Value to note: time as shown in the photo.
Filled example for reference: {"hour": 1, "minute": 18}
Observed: {"hour": 6, "minute": 5}
